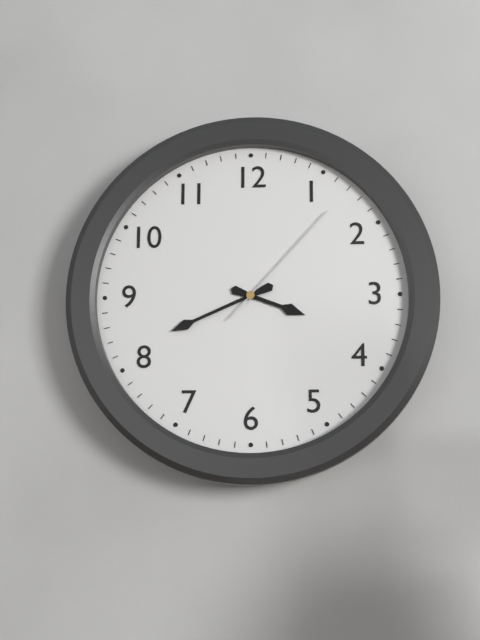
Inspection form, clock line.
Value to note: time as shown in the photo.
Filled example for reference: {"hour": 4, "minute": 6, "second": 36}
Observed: {"hour": 3, "minute": 41, "second": 7}
